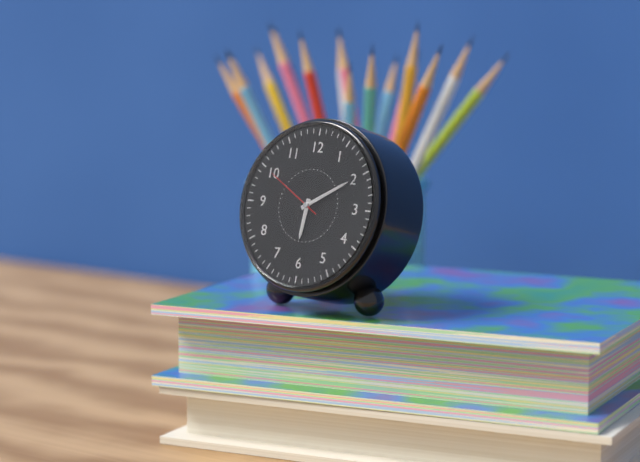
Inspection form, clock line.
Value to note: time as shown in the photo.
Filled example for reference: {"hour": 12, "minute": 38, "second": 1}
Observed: {"hour": 6, "minute": 10, "second": 50}
